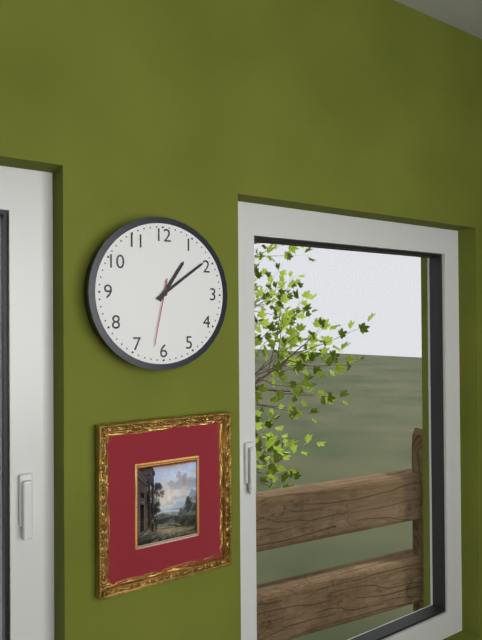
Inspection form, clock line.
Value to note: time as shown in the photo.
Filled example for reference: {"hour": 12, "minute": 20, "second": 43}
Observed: {"hour": 1, "minute": 9, "second": 32}
